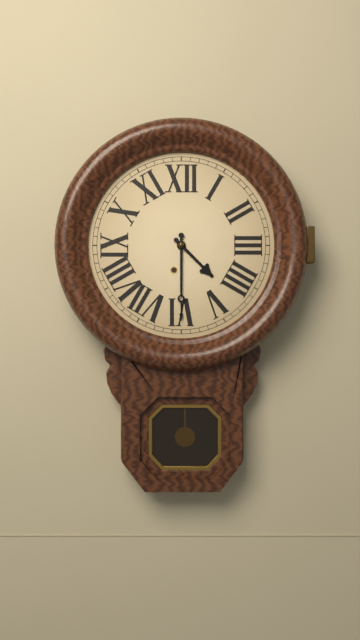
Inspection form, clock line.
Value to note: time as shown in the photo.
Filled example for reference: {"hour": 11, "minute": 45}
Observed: {"hour": 4, "minute": 30}
